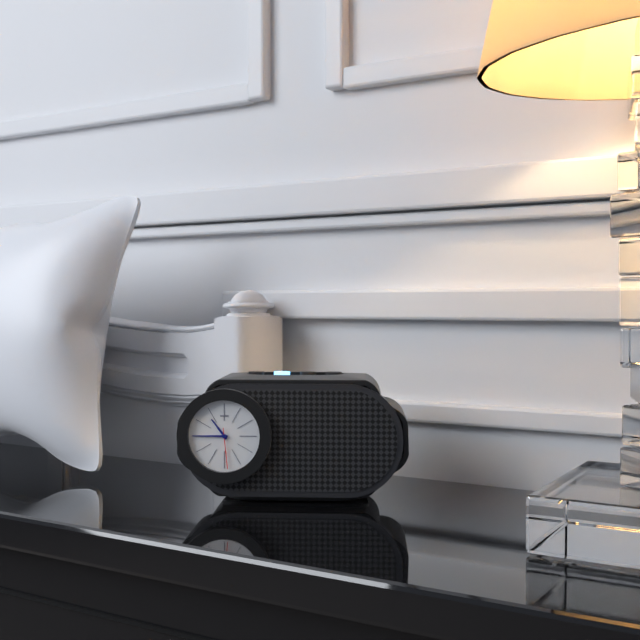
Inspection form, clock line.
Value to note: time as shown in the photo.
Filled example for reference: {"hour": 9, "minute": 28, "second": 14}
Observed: {"hour": 10, "minute": 45, "second": 29}
